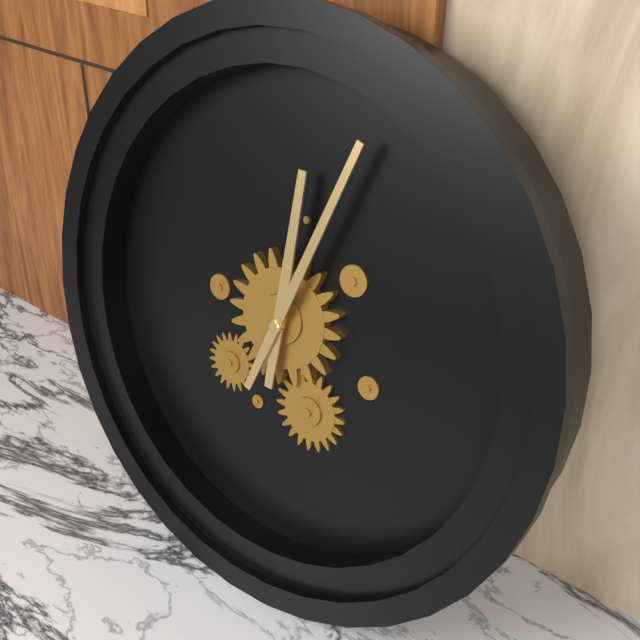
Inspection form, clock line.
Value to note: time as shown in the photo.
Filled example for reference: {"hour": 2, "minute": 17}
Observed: {"hour": 12, "minute": 3}
